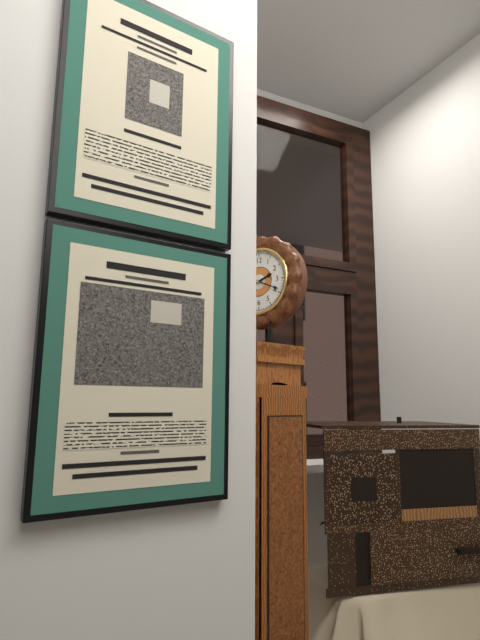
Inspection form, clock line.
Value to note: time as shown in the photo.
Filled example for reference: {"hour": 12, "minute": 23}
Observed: {"hour": 2, "minute": 19}
